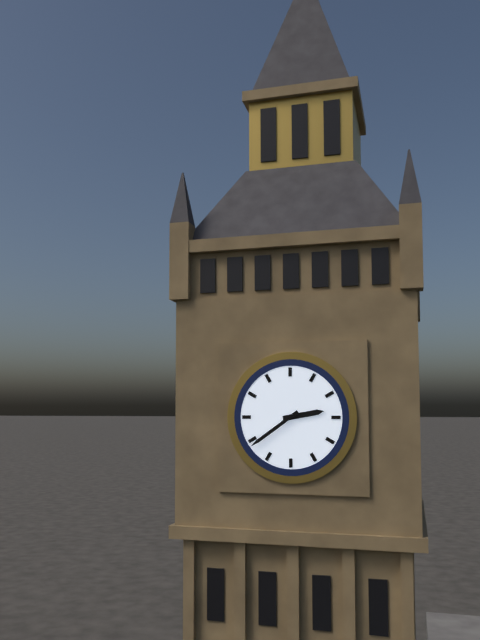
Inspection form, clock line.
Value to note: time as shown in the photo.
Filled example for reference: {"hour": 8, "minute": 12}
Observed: {"hour": 2, "minute": 39}
